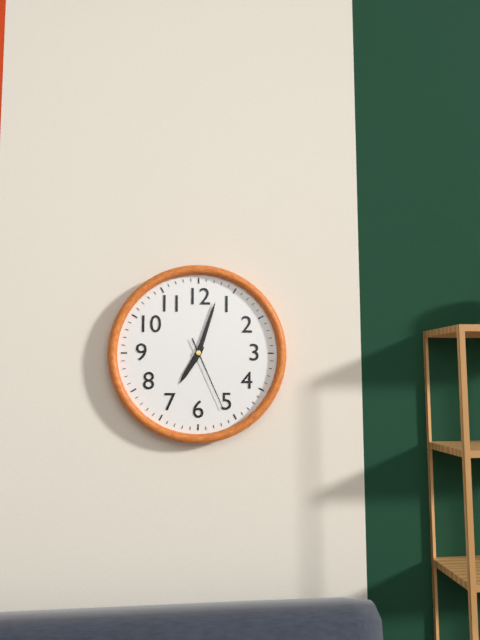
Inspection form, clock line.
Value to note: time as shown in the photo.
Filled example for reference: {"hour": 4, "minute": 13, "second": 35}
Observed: {"hour": 7, "minute": 3, "second": 26}
